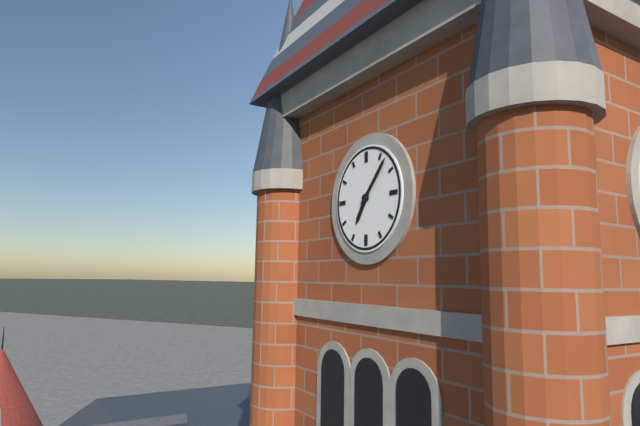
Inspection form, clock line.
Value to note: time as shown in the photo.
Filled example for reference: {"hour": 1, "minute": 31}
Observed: {"hour": 7, "minute": 7}
